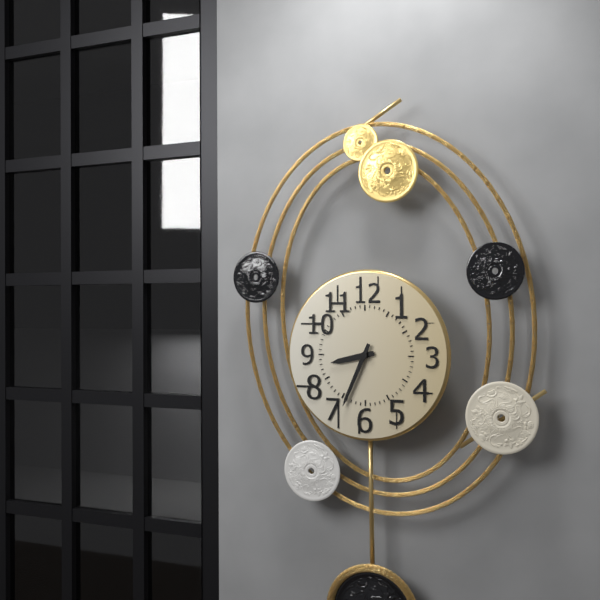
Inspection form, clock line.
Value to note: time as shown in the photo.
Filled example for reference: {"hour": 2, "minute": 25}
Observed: {"hour": 8, "minute": 34}
